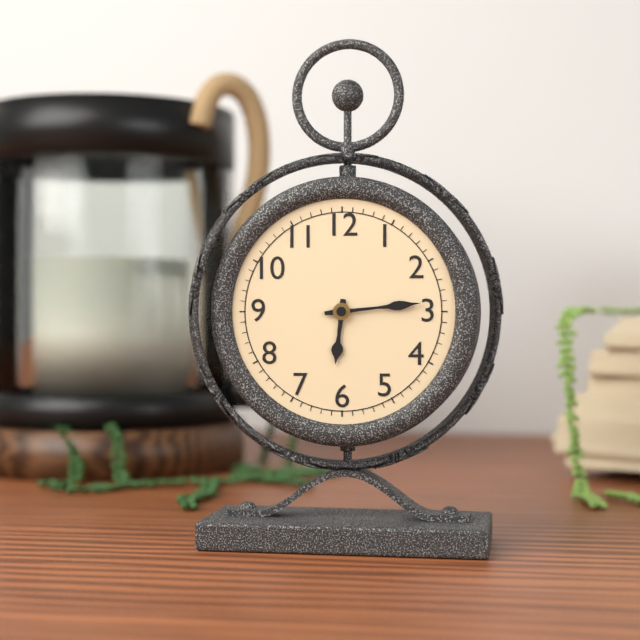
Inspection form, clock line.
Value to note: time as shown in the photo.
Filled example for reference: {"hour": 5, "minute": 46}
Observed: {"hour": 6, "minute": 14}
